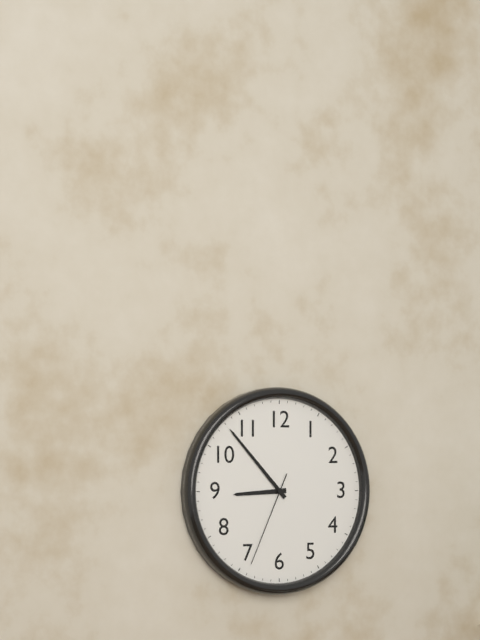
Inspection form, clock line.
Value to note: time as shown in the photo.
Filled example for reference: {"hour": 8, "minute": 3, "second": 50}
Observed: {"hour": 8, "minute": 53, "second": 34}
